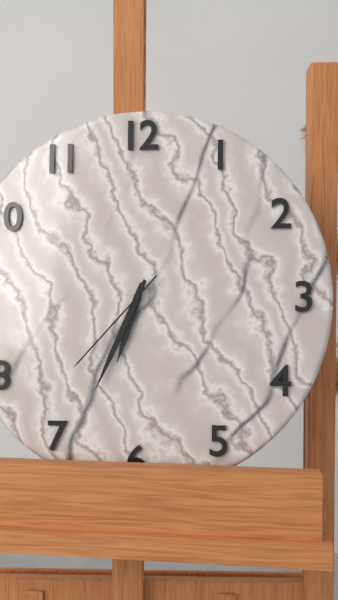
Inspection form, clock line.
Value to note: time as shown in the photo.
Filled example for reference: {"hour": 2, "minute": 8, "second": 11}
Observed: {"hour": 6, "minute": 34, "second": 37}
